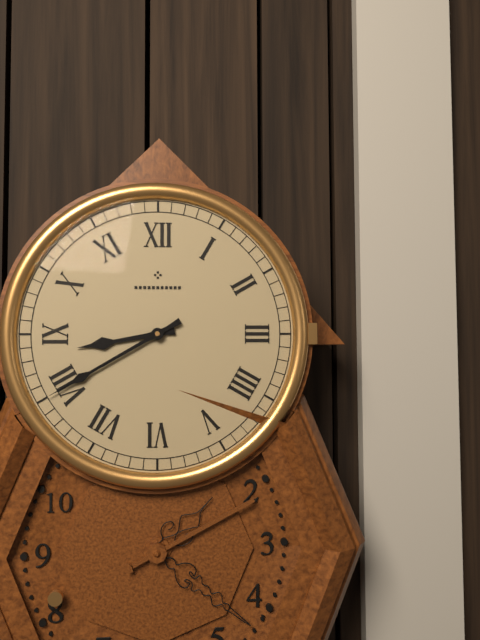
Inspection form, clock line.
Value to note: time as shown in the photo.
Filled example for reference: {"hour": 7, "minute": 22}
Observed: {"hour": 8, "minute": 40}
